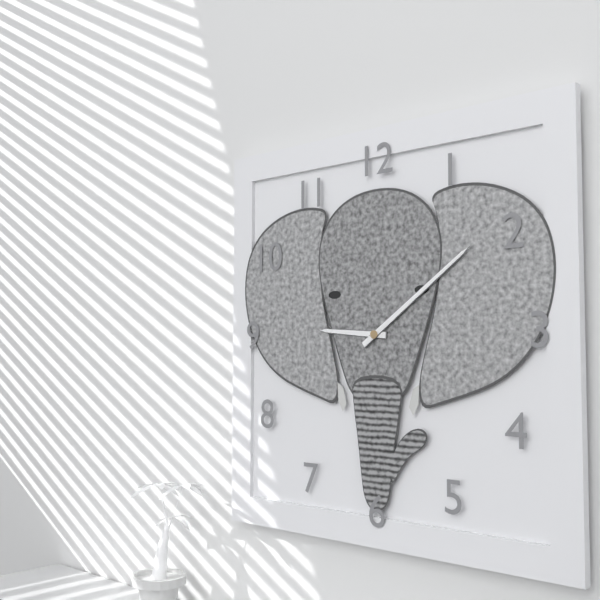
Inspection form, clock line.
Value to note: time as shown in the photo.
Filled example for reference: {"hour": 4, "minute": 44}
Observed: {"hour": 9, "minute": 9}
